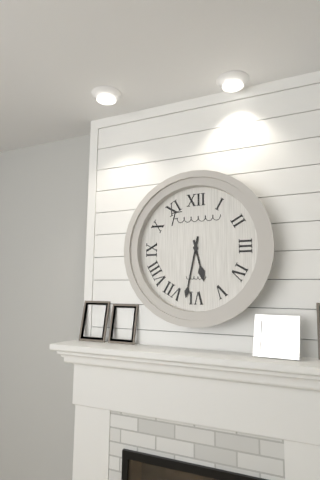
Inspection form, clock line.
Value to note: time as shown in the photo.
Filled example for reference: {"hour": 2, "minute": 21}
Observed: {"hour": 5, "minute": 32}
